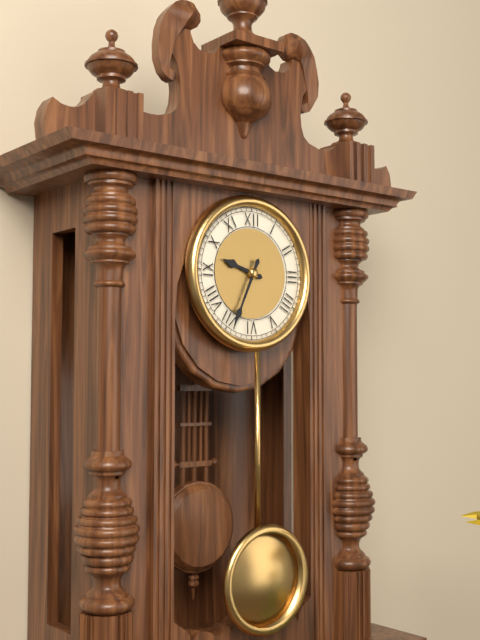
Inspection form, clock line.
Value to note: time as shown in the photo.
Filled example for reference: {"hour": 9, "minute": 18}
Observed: {"hour": 9, "minute": 34}
